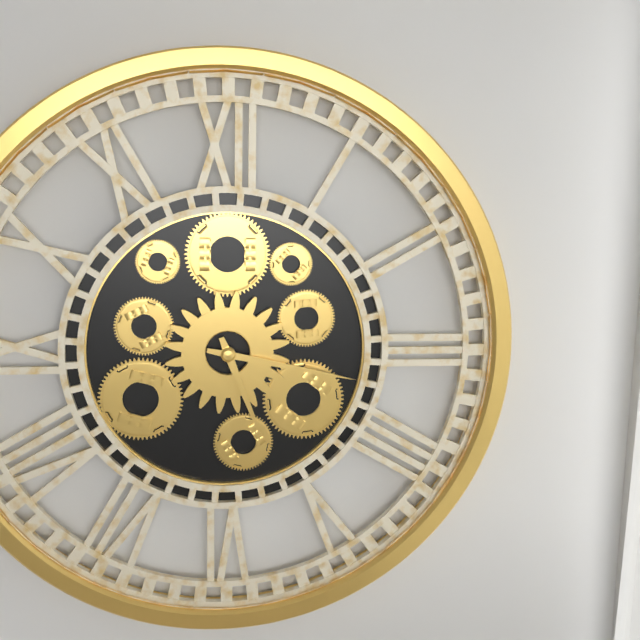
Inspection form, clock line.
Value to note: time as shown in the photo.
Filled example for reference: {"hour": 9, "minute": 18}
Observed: {"hour": 5, "minute": 17}
